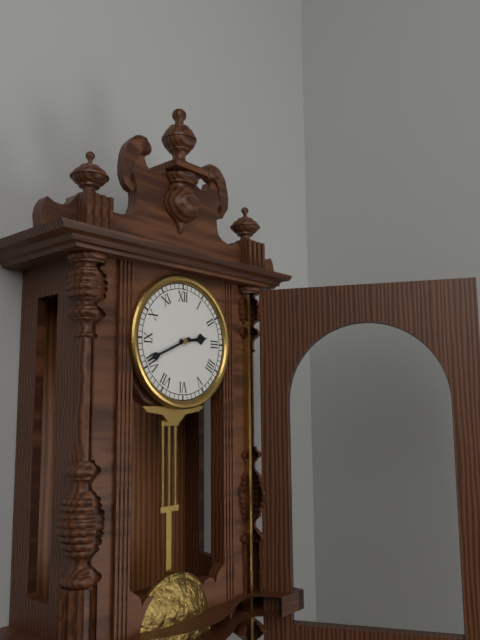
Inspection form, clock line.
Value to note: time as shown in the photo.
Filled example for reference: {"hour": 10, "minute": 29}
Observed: {"hour": 2, "minute": 41}
